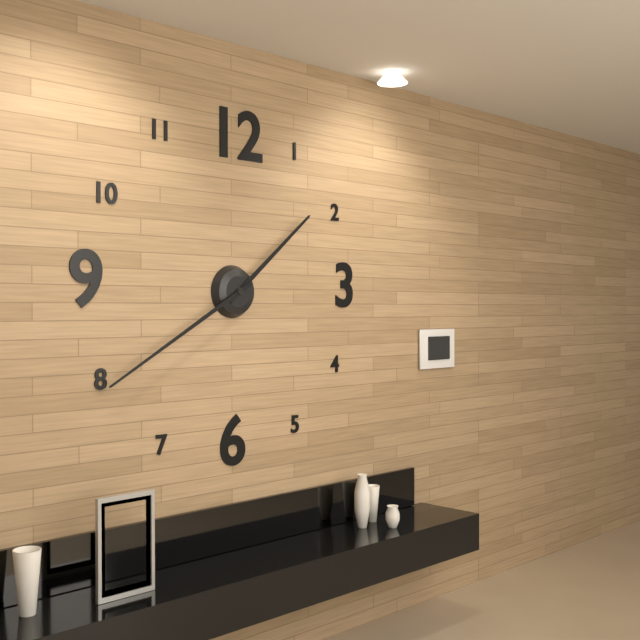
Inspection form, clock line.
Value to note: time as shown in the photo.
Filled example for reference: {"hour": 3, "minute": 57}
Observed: {"hour": 1, "minute": 40}
